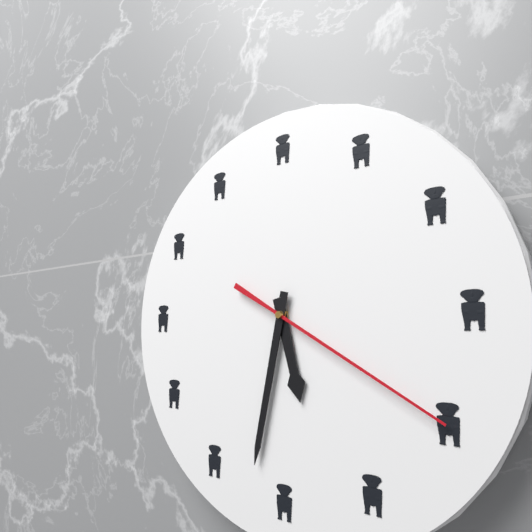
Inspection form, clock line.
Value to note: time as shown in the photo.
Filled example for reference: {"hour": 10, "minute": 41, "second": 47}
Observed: {"hour": 5, "minute": 32, "second": 20}
